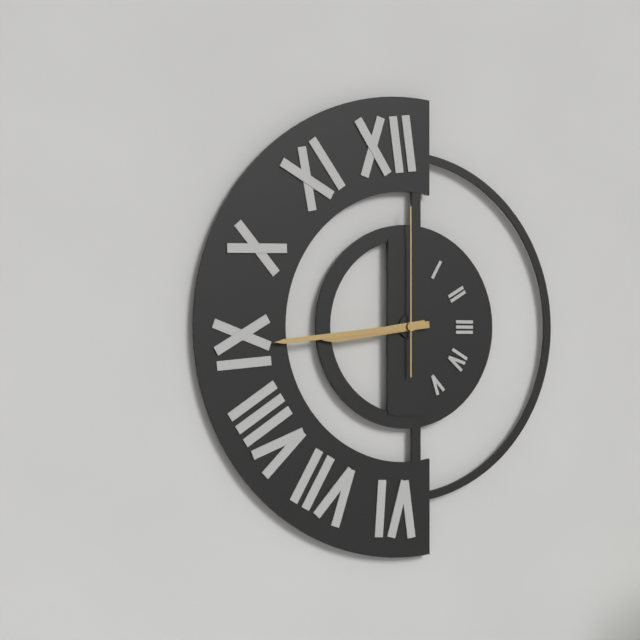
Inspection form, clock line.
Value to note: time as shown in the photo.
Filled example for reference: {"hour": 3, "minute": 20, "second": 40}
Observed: {"hour": 8, "minute": 44, "second": 0}
